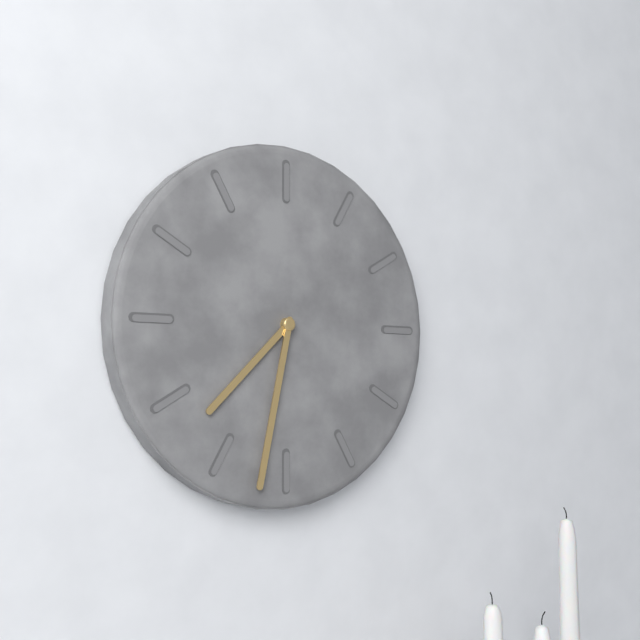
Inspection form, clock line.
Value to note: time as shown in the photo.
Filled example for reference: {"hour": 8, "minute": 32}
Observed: {"hour": 7, "minute": 32}
